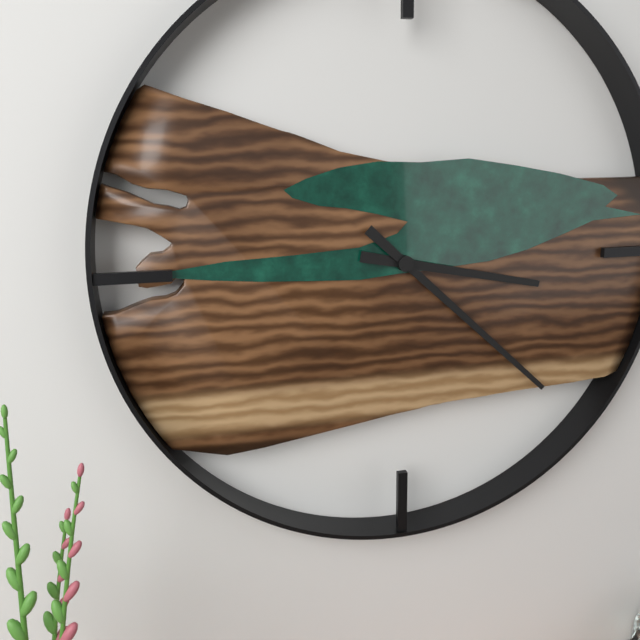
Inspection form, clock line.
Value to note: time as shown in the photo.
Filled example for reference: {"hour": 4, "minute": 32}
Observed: {"hour": 3, "minute": 22}
